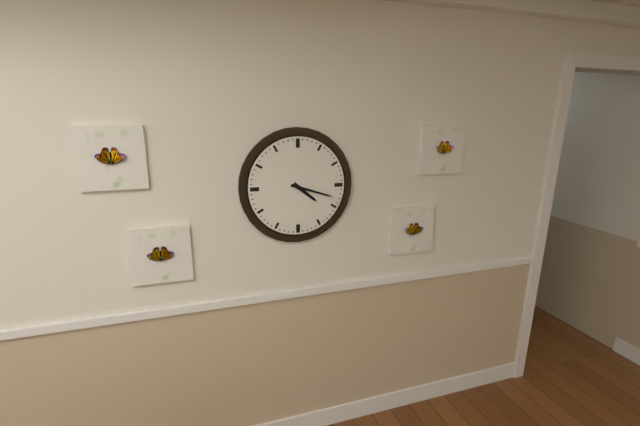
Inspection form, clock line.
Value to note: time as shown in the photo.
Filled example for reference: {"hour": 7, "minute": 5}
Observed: {"hour": 4, "minute": 18}
